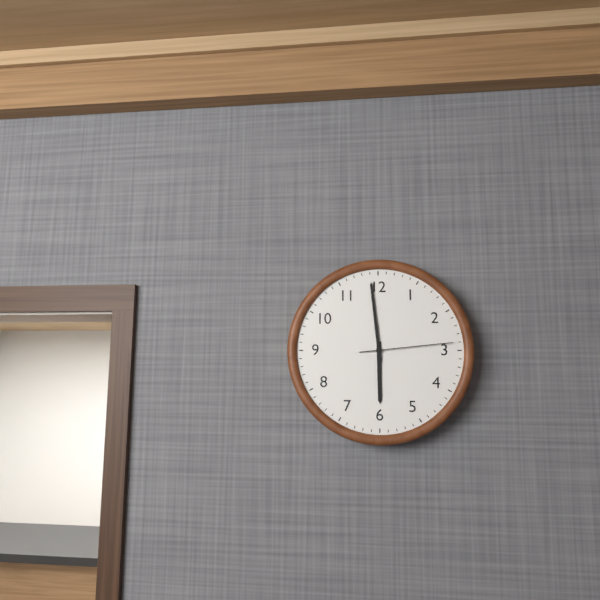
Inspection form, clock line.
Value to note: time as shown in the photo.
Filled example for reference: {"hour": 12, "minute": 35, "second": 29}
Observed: {"hour": 5, "minute": 59, "second": 14}
